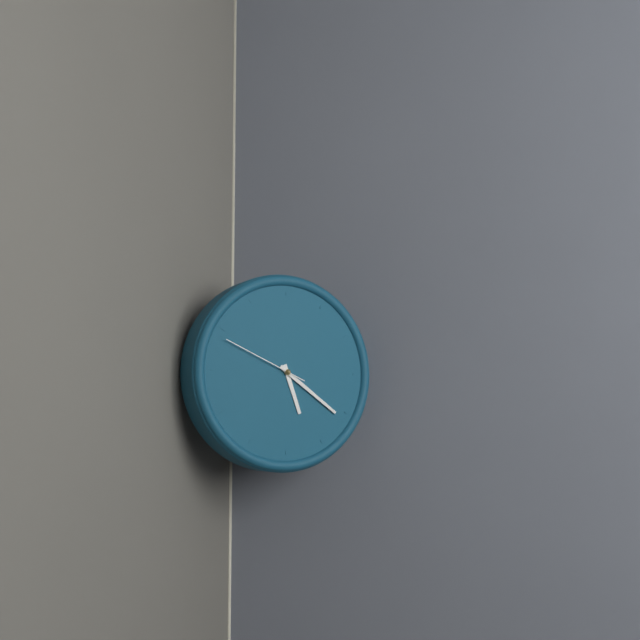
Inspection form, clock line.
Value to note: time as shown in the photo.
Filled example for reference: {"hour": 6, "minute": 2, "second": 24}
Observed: {"hour": 5, "minute": 21, "second": 49}
